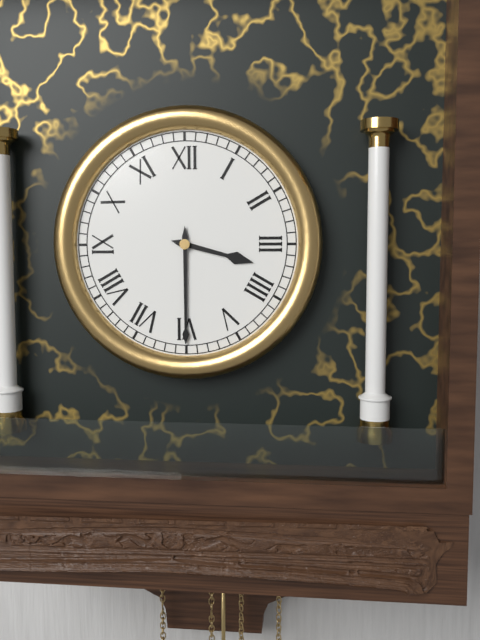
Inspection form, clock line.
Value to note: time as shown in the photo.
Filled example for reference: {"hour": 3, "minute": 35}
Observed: {"hour": 3, "minute": 30}
